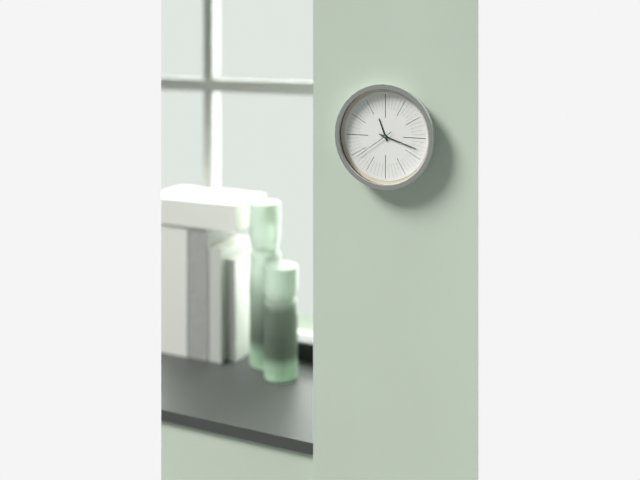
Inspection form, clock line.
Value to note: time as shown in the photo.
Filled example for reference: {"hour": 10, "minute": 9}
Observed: {"hour": 11, "minute": 18}
